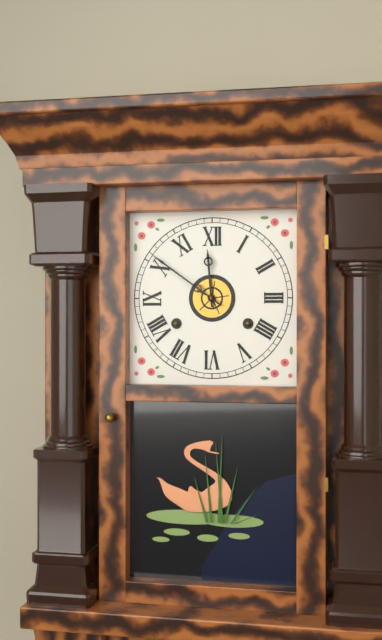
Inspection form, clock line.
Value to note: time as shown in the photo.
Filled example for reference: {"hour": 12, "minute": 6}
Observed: {"hour": 11, "minute": 51}
